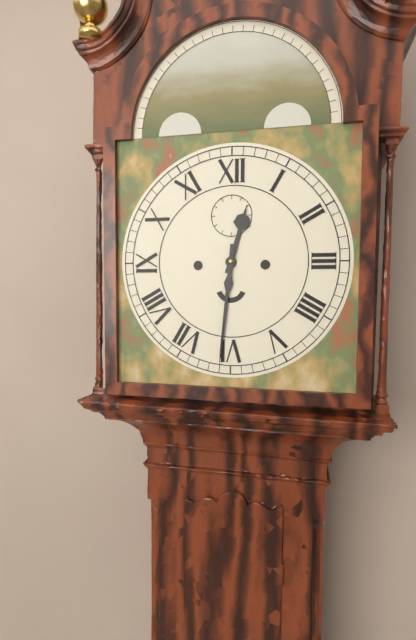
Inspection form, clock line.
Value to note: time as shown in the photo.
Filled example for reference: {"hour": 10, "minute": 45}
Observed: {"hour": 12, "minute": 31}
